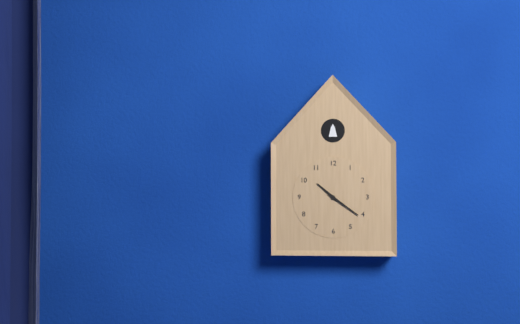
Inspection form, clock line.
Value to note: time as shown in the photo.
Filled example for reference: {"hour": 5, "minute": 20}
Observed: {"hour": 10, "minute": 21}
